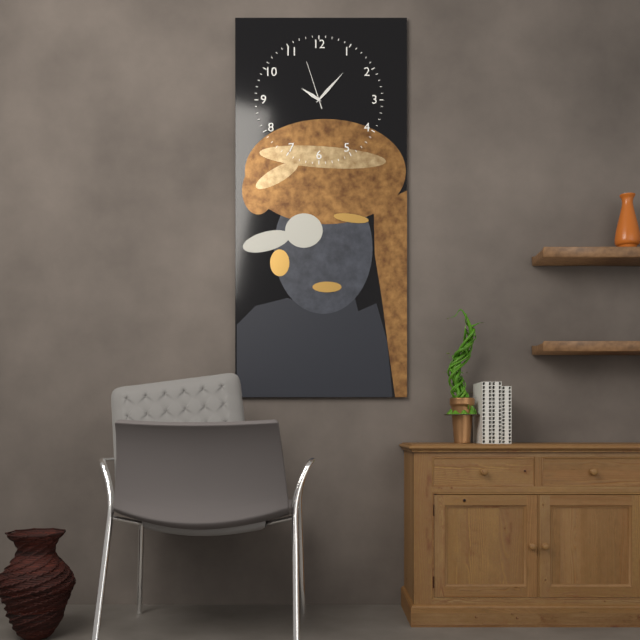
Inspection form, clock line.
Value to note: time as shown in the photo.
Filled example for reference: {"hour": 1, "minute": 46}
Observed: {"hour": 10, "minute": 7}
